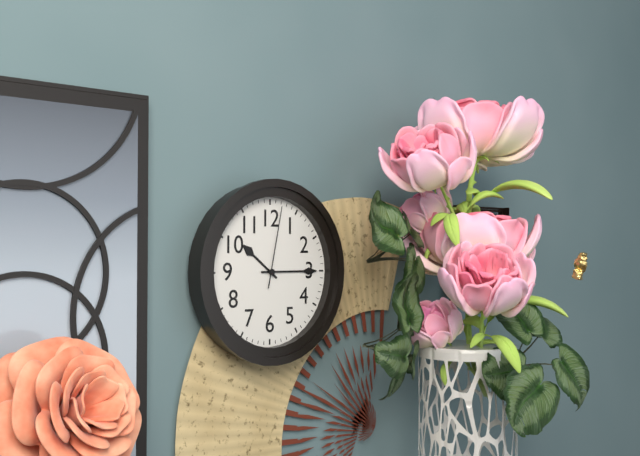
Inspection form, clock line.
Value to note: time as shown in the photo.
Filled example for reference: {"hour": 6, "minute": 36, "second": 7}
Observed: {"hour": 10, "minute": 15, "second": 2}
